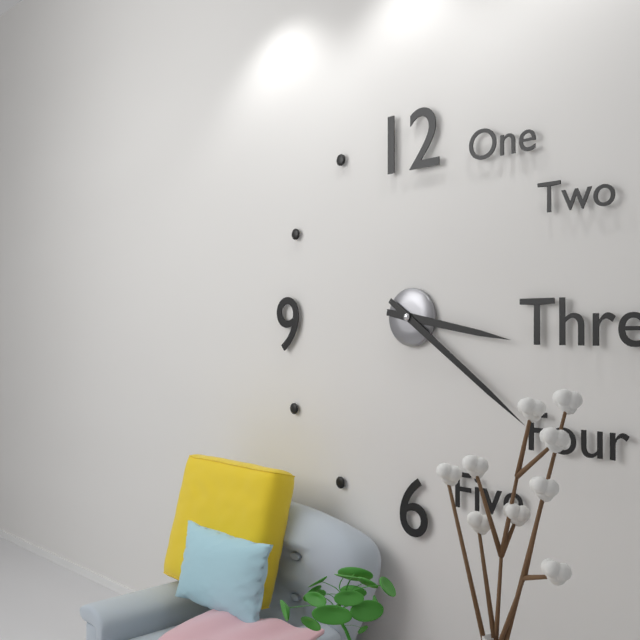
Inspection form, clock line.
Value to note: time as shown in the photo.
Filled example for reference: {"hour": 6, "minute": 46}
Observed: {"hour": 3, "minute": 21}
